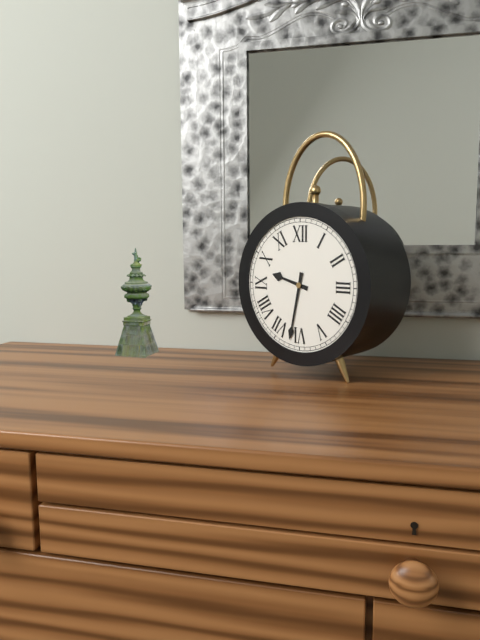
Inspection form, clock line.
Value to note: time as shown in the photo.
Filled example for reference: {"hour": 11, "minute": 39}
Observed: {"hour": 9, "minute": 32}
